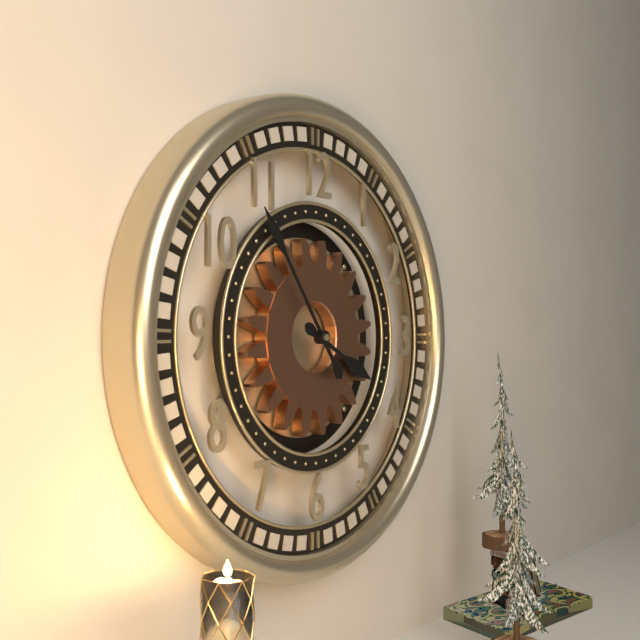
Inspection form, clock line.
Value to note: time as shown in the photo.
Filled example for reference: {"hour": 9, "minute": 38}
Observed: {"hour": 3, "minute": 54}
